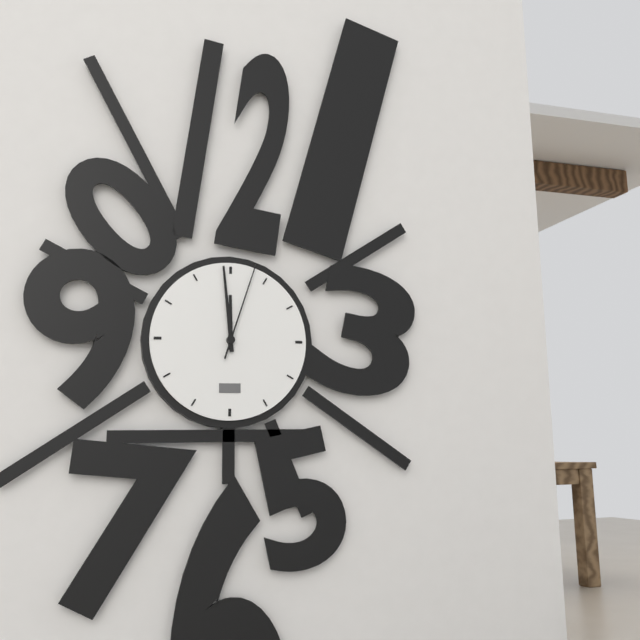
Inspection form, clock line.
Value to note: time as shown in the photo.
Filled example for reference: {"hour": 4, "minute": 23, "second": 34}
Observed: {"hour": 11, "minute": 59, "second": 3}
